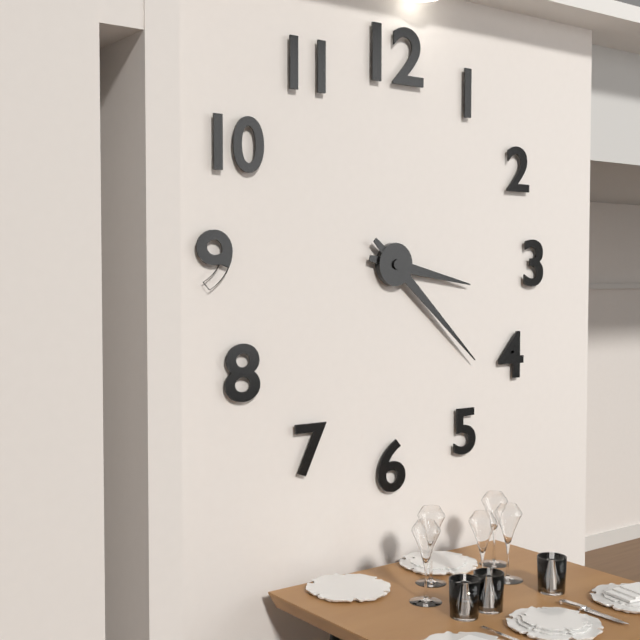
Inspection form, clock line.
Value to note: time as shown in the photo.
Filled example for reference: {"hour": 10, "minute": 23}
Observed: {"hour": 3, "minute": 22}
